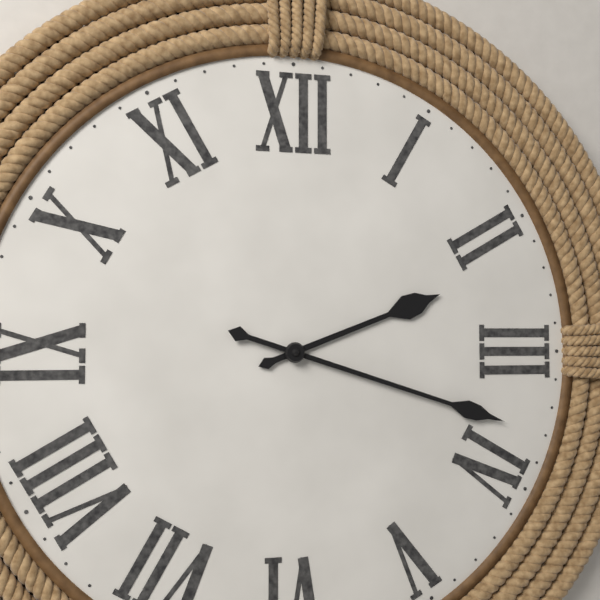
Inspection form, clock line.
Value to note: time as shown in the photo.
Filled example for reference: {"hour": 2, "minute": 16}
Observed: {"hour": 2, "minute": 18}
